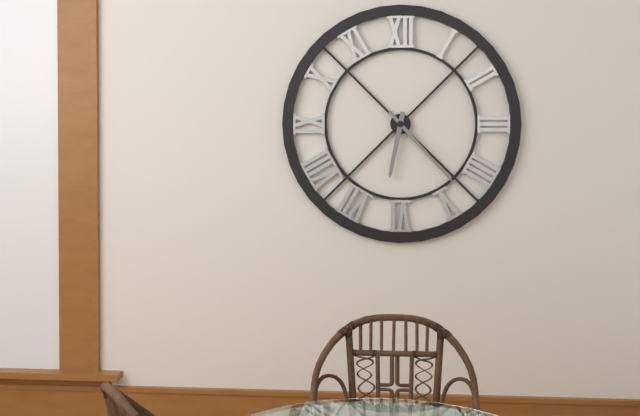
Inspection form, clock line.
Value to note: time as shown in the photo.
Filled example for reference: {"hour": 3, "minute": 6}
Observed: {"hour": 6, "minute": 23}
